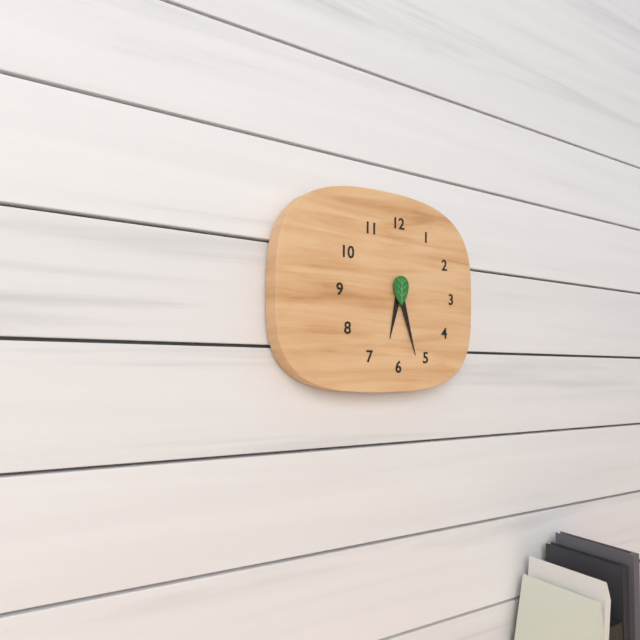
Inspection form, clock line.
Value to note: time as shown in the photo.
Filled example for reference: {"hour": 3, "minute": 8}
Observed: {"hour": 6, "minute": 27}
